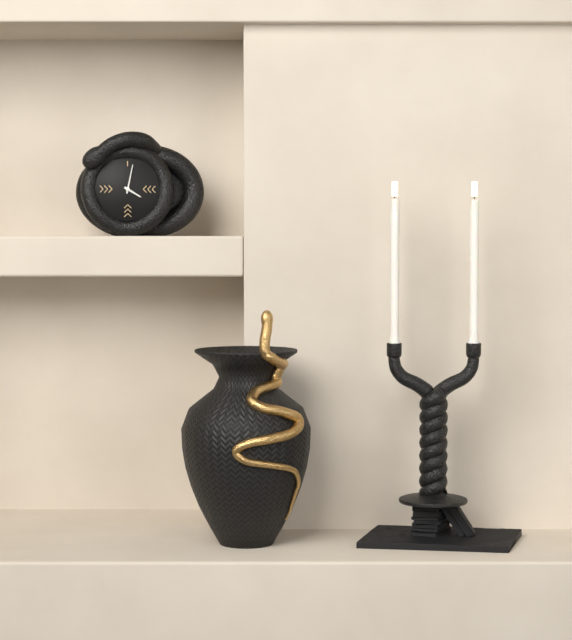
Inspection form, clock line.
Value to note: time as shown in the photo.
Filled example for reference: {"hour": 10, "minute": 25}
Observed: {"hour": 4, "minute": 2}
